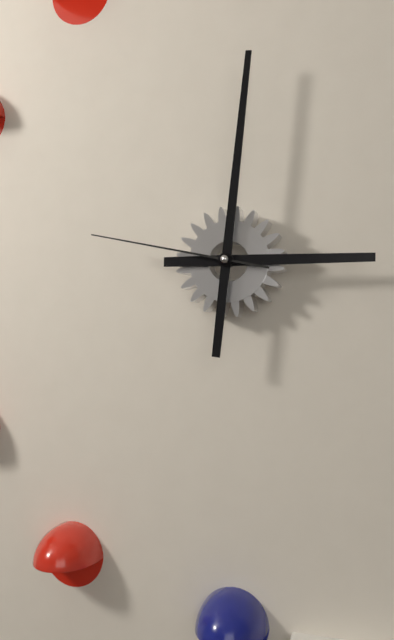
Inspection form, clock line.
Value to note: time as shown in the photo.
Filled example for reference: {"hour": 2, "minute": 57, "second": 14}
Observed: {"hour": 3, "minute": 1, "second": 47}
